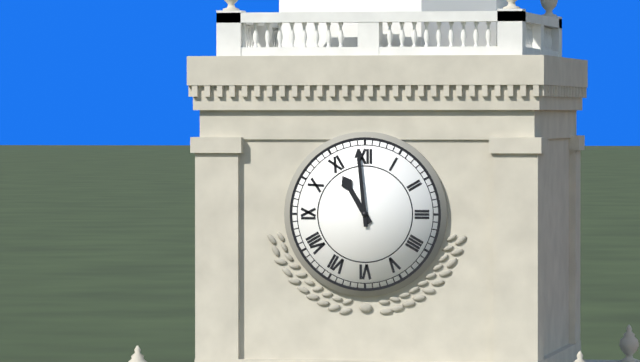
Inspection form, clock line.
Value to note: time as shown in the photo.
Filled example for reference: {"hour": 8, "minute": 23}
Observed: {"hour": 10, "minute": 59}
